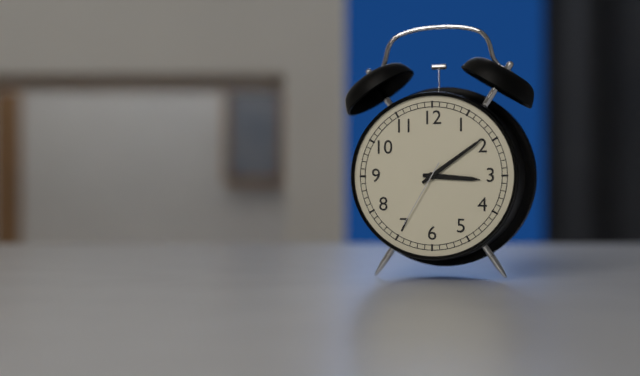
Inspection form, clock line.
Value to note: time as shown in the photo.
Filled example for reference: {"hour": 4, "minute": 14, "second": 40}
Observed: {"hour": 3, "minute": 9, "second": 35}
